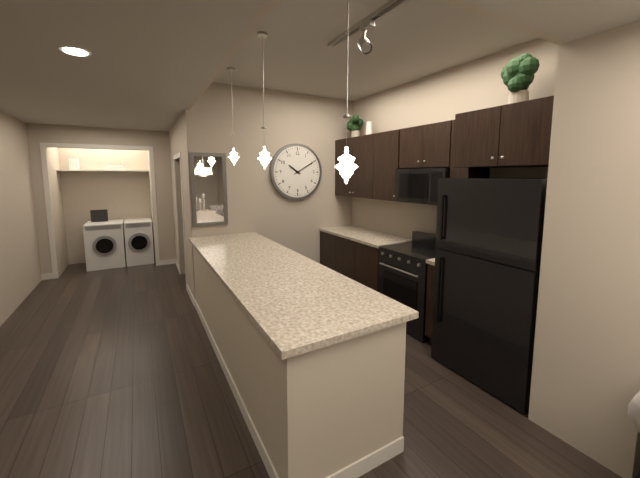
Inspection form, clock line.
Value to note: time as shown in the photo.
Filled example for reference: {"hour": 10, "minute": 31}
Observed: {"hour": 10, "minute": 10}
